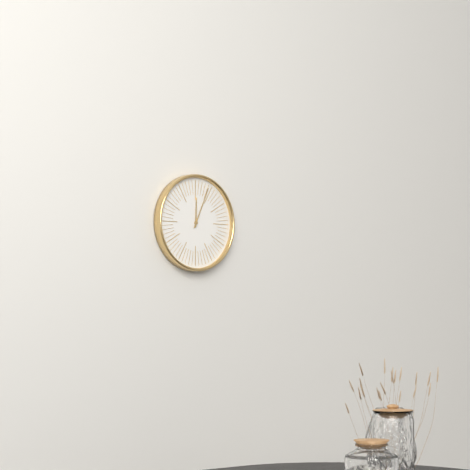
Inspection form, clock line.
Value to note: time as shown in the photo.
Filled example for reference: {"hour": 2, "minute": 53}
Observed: {"hour": 12, "minute": 4}
